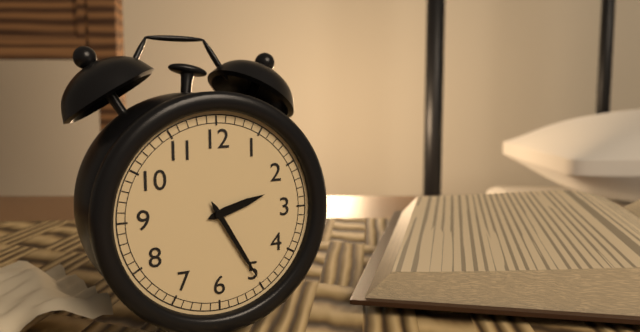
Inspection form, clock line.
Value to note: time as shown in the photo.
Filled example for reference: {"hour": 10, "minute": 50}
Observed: {"hour": 2, "minute": 25}
